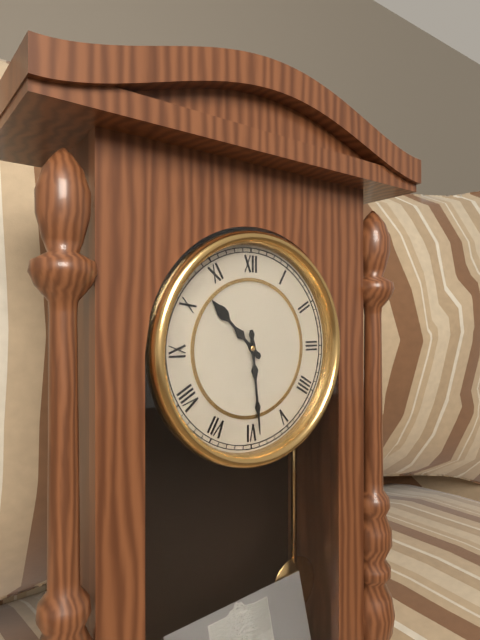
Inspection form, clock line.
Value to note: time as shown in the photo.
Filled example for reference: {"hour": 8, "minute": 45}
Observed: {"hour": 10, "minute": 29}
